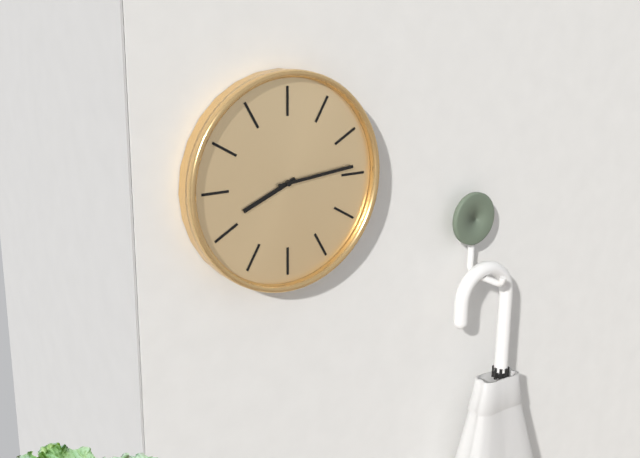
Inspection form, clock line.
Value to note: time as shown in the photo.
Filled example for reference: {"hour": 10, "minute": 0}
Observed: {"hour": 8, "minute": 14}
